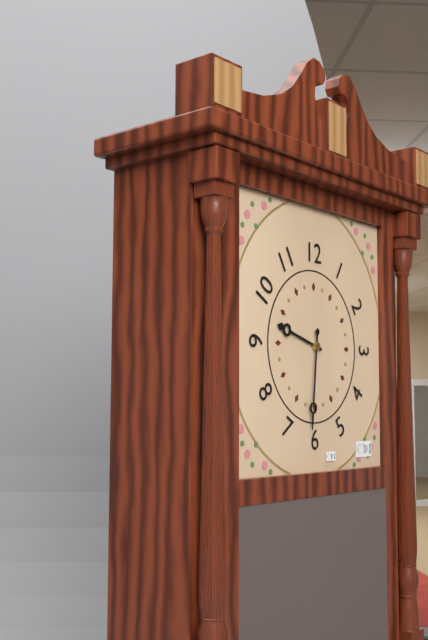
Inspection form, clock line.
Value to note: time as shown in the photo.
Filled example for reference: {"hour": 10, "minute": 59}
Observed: {"hour": 9, "minute": 31}
